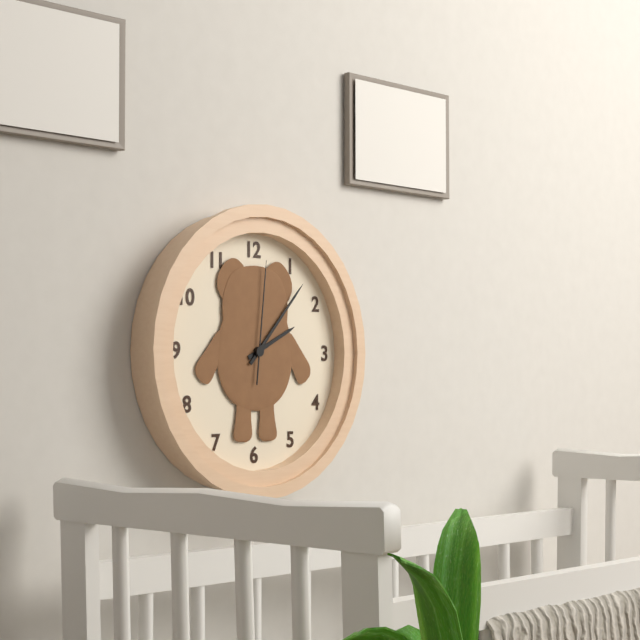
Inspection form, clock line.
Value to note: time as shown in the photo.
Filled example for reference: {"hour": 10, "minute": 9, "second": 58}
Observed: {"hour": 2, "minute": 7, "second": 1}
